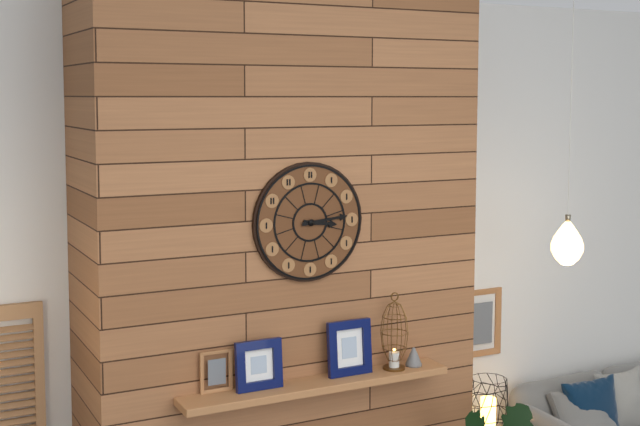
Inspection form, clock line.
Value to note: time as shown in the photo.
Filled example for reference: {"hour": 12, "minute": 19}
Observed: {"hour": 3, "minute": 14}
